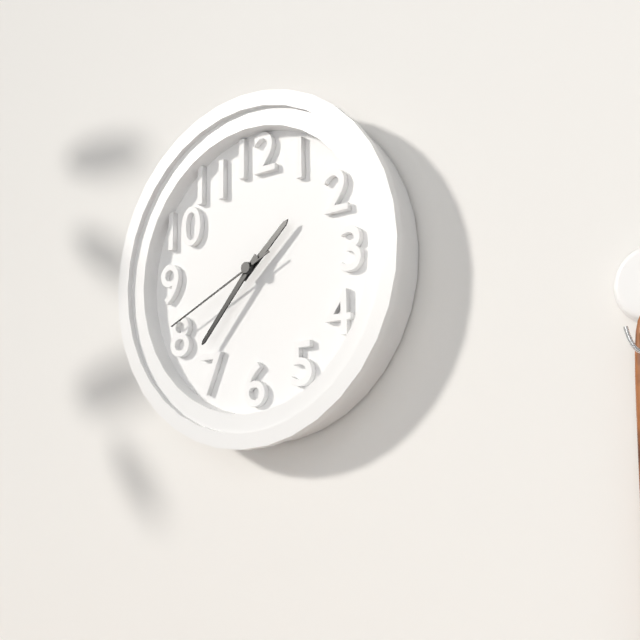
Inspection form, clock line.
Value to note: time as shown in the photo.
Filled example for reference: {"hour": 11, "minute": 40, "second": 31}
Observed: {"hour": 1, "minute": 37, "second": 41}
